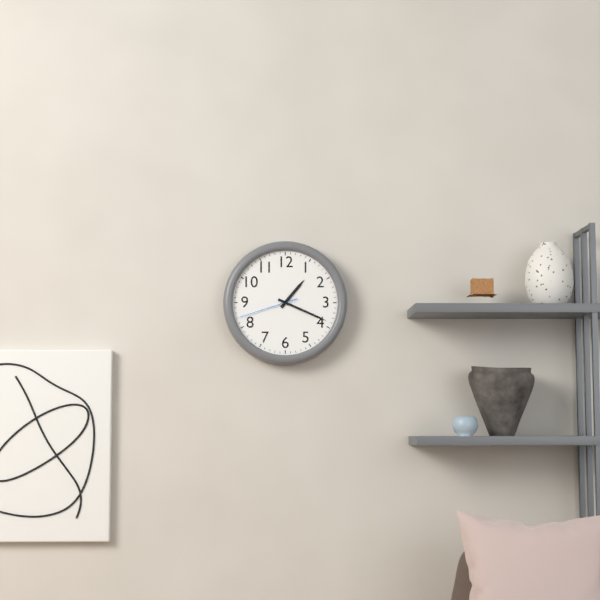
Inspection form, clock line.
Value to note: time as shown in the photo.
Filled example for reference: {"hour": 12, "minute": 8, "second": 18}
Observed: {"hour": 1, "minute": 19, "second": 42}
